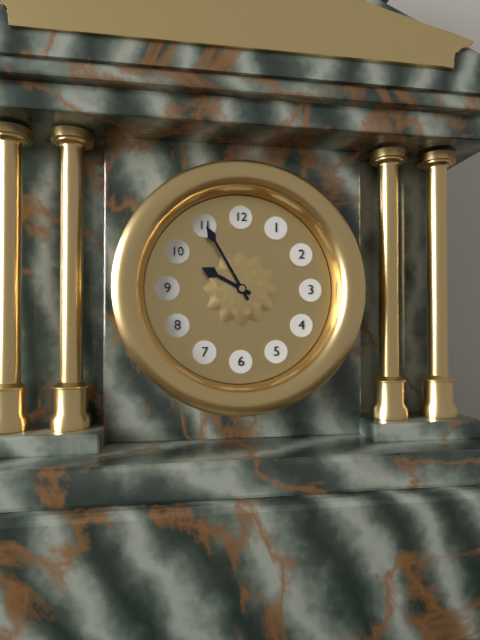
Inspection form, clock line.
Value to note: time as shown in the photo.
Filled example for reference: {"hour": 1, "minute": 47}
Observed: {"hour": 9, "minute": 55}
